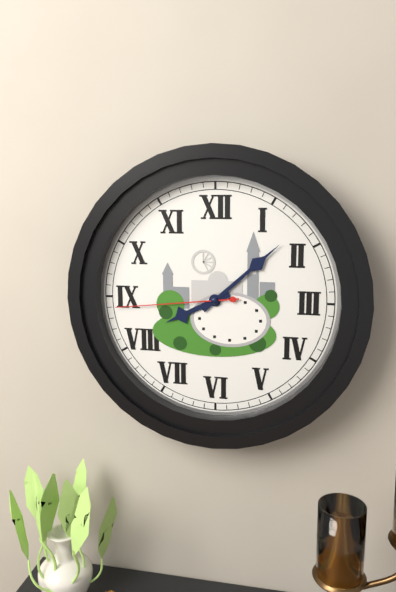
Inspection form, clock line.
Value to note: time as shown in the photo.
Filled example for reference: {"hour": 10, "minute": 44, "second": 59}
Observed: {"hour": 8, "minute": 8, "second": 44}
